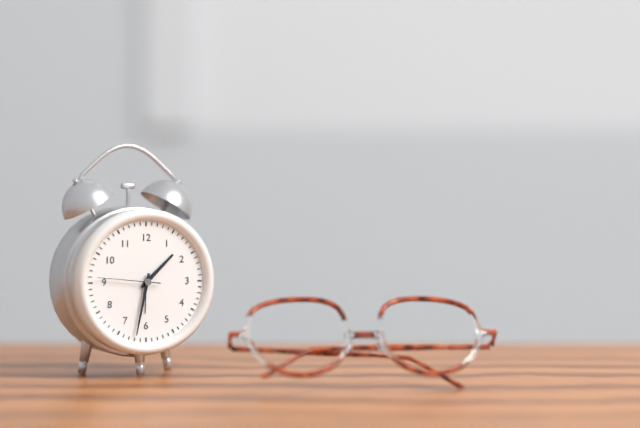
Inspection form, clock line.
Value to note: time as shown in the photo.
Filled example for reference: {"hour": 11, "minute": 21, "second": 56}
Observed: {"hour": 1, "minute": 32, "second": 46}
